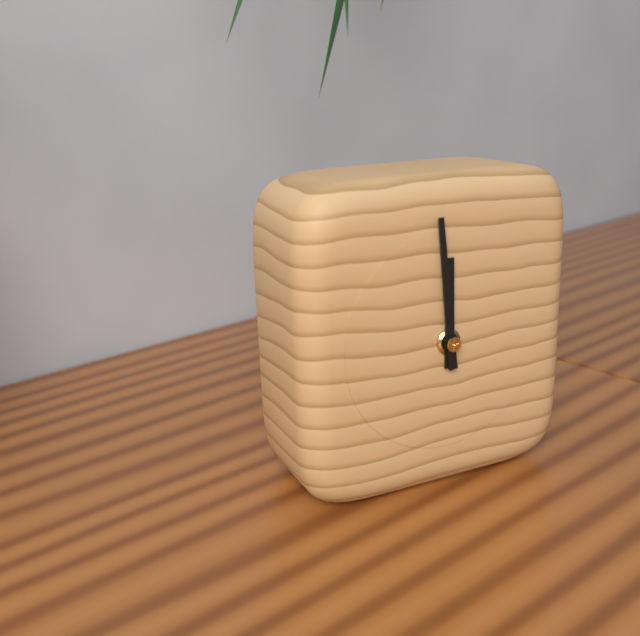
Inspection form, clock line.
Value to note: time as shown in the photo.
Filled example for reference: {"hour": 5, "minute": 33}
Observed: {"hour": 11, "minute": 59}
